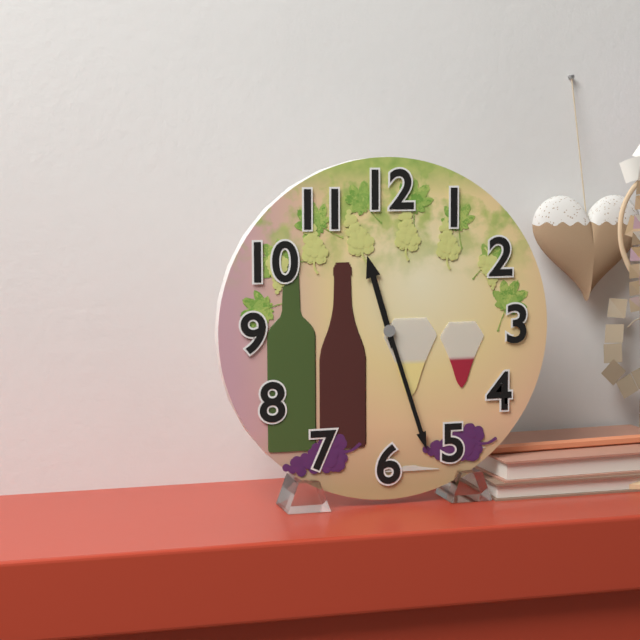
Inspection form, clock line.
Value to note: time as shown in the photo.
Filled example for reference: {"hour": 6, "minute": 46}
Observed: {"hour": 11, "minute": 27}
